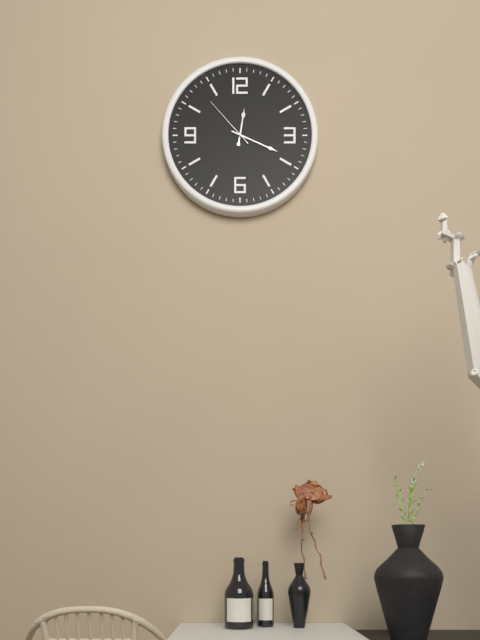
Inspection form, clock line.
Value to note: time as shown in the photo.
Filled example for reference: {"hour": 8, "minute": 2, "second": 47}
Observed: {"hour": 12, "minute": 19, "second": 53}
